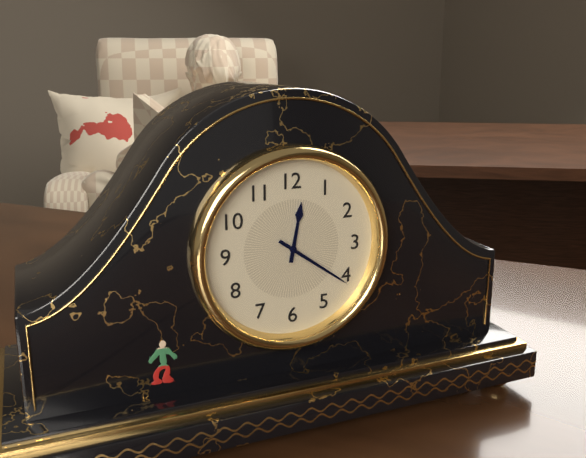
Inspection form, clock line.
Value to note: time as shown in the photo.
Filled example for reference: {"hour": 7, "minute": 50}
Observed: {"hour": 12, "minute": 21}
